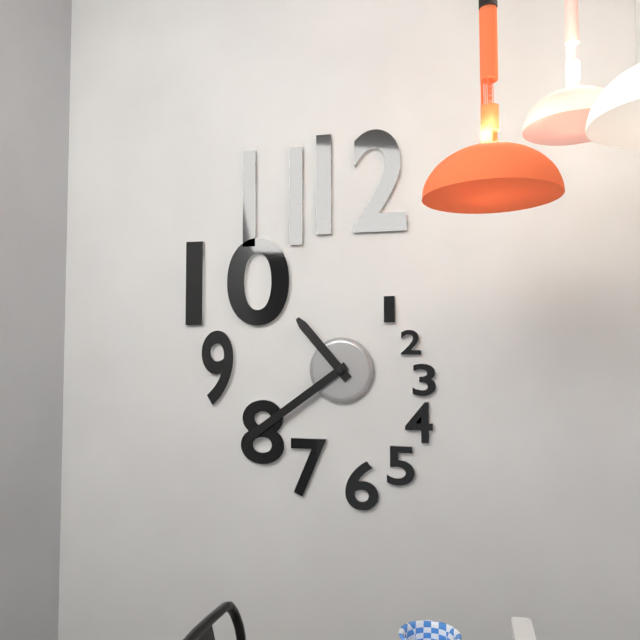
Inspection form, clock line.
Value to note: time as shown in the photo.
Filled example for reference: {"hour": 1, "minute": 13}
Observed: {"hour": 10, "minute": 39}
